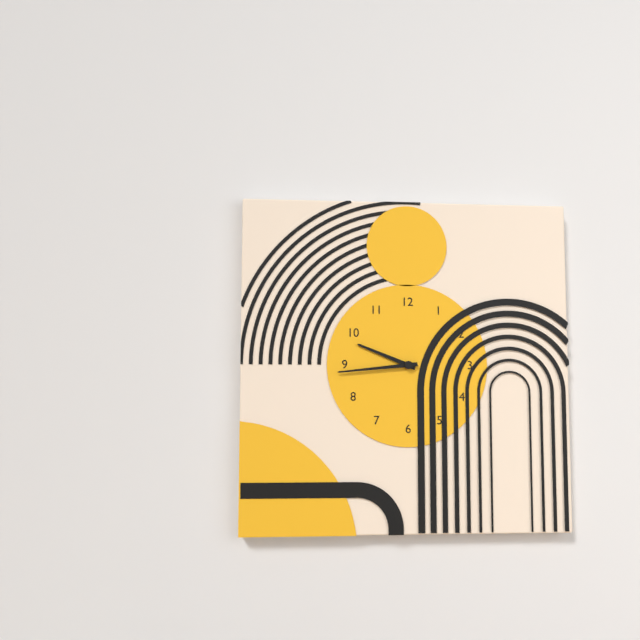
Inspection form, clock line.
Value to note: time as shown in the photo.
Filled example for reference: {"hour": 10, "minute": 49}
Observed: {"hour": 9, "minute": 44}
